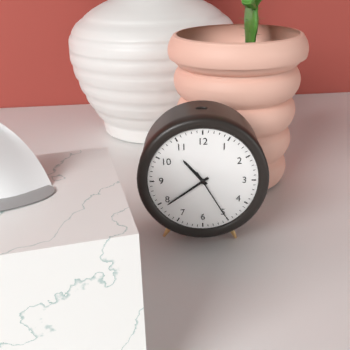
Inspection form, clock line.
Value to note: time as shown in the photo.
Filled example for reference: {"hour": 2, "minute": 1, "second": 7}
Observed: {"hour": 10, "minute": 39, "second": 25}
